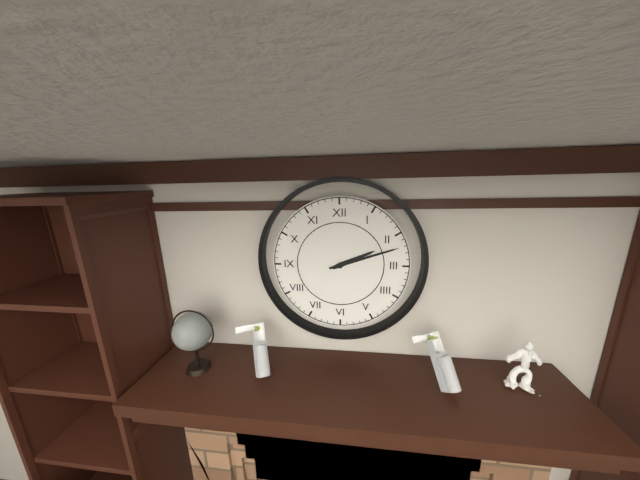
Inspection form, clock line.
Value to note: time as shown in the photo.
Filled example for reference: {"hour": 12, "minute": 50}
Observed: {"hour": 2, "minute": 12}
